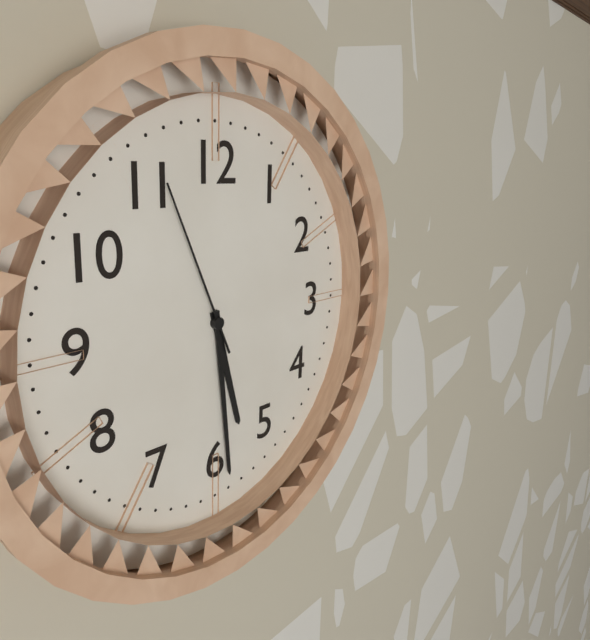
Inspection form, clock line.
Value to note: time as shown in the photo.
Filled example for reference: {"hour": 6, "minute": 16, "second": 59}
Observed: {"hour": 5, "minute": 29, "second": 56}
